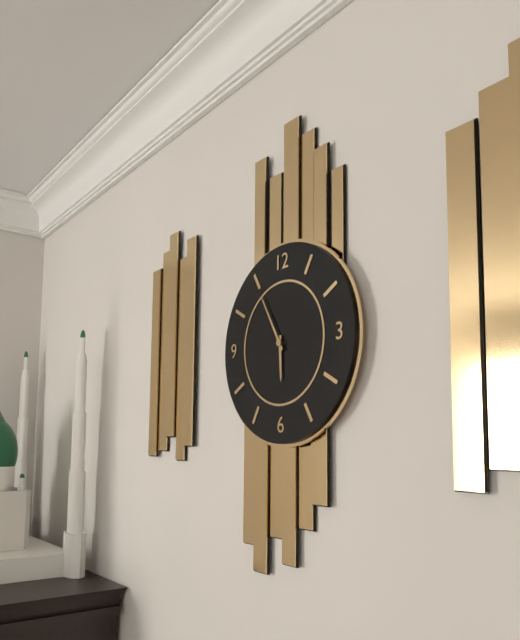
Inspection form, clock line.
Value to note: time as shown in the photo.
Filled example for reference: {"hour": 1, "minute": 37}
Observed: {"hour": 5, "minute": 55}
